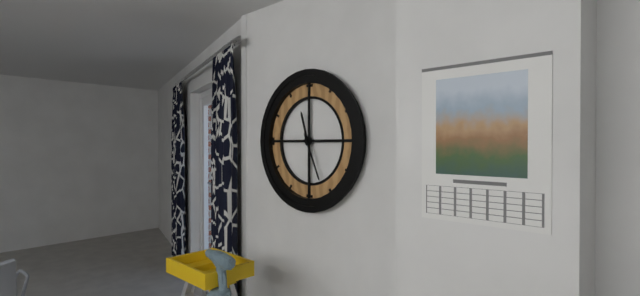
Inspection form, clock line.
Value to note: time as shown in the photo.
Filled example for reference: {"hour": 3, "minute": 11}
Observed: {"hour": 11, "minute": 26}
